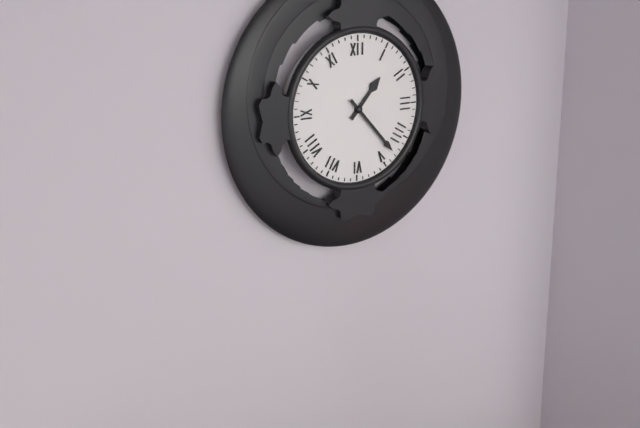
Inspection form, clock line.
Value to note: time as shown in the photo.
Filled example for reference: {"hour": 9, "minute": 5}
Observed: {"hour": 1, "minute": 23}
